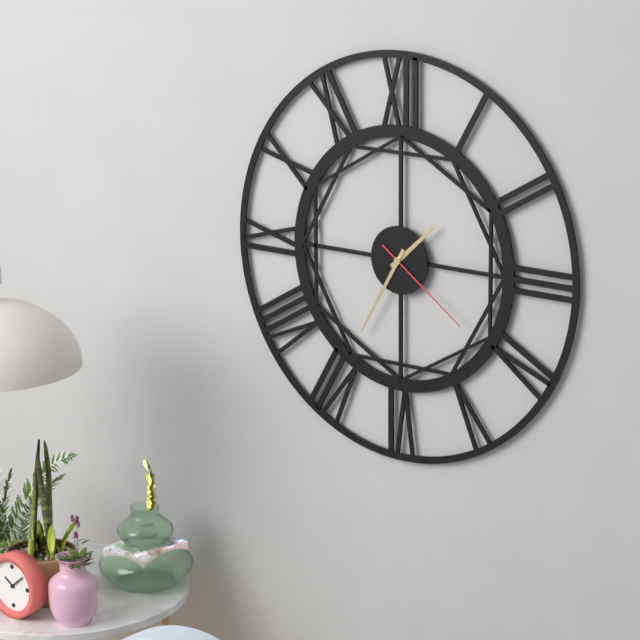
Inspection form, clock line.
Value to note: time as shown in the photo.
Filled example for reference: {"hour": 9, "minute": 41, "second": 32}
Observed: {"hour": 1, "minute": 35, "second": 21}
